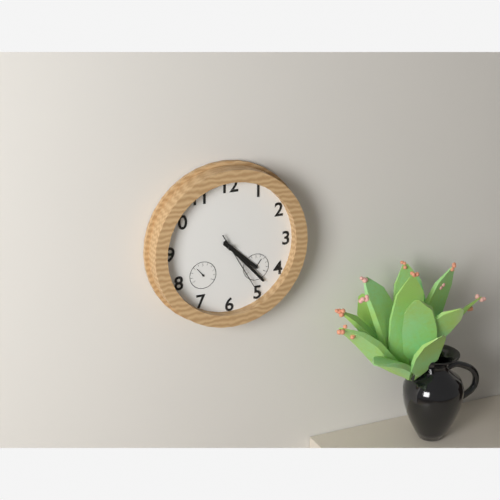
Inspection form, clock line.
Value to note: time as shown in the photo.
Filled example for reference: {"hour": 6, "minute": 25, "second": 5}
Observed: {"hour": 4, "minute": 23, "second": 25}
